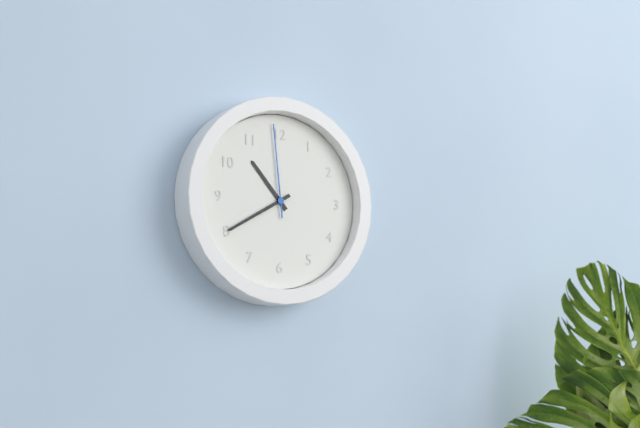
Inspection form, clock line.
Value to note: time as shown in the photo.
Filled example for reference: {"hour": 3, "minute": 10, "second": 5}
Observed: {"hour": 10, "minute": 40, "second": 59}
